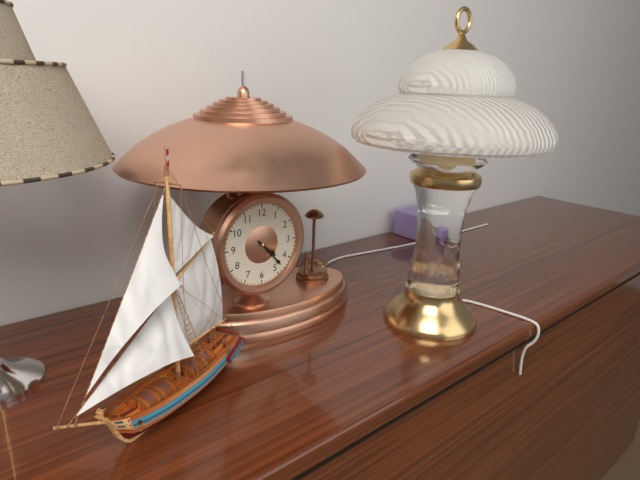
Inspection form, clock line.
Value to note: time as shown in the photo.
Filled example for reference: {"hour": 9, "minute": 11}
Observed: {"hour": 4, "minute": 23}
